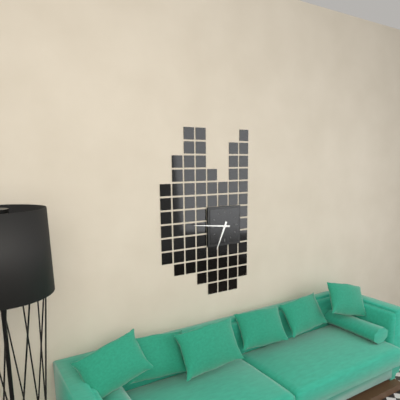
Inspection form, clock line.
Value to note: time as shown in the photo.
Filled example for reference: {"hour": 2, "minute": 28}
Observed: {"hour": 6, "minute": 46}
